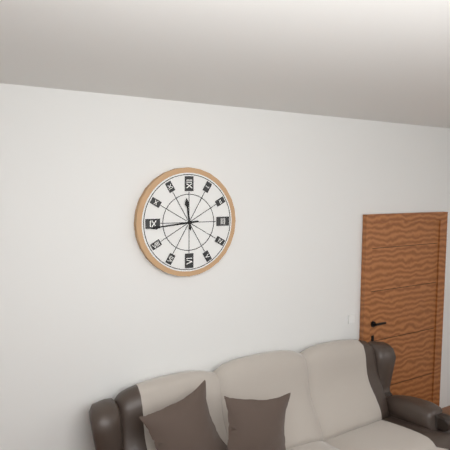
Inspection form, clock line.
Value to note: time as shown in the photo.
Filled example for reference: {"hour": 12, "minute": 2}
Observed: {"hour": 11, "minute": 44}
